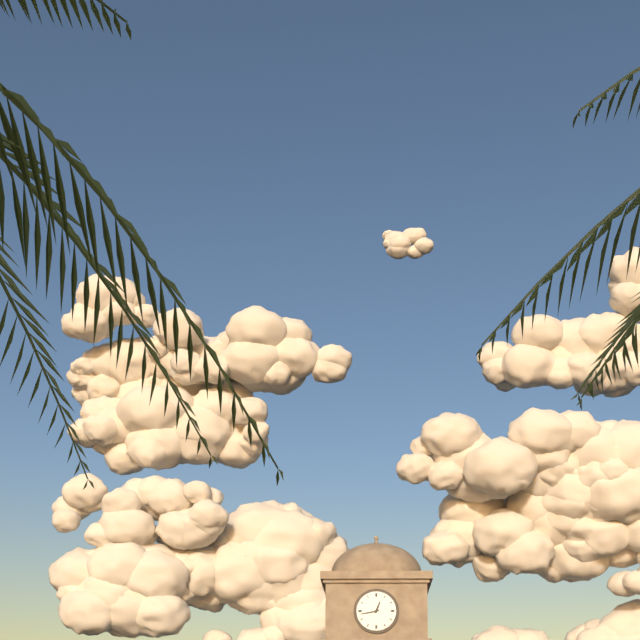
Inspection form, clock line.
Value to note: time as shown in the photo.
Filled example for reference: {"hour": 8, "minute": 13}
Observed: {"hour": 12, "minute": 43}
